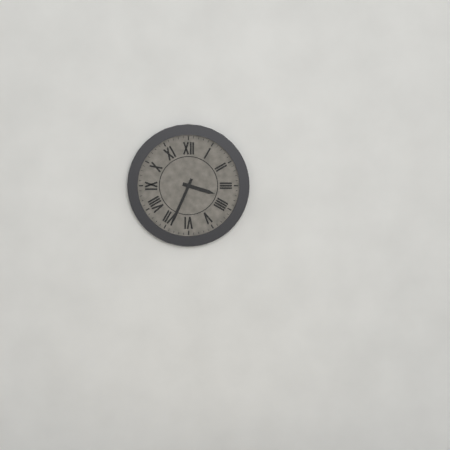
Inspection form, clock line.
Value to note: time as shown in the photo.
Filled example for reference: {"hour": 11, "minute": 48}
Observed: {"hour": 3, "minute": 34}
